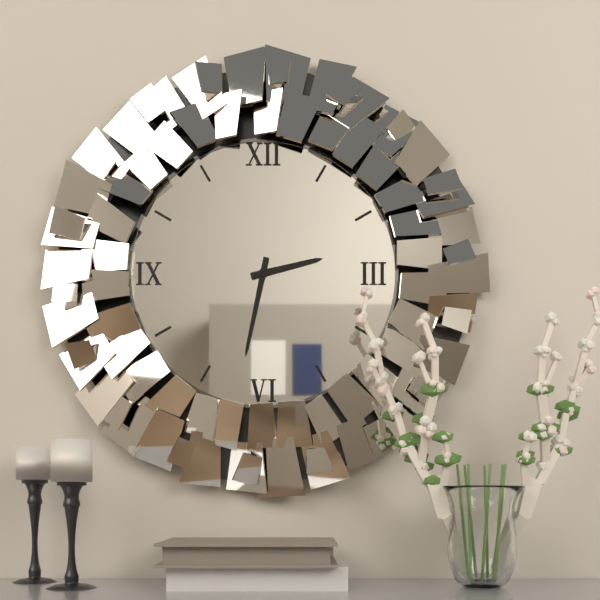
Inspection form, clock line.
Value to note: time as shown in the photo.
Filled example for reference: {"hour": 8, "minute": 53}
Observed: {"hour": 2, "minute": 32}
